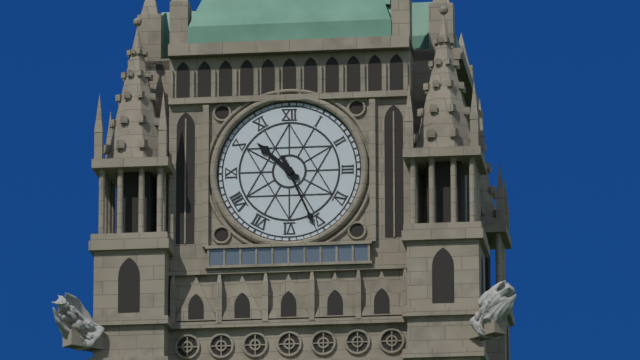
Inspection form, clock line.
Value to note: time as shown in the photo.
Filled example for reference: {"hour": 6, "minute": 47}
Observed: {"hour": 10, "minute": 26}
